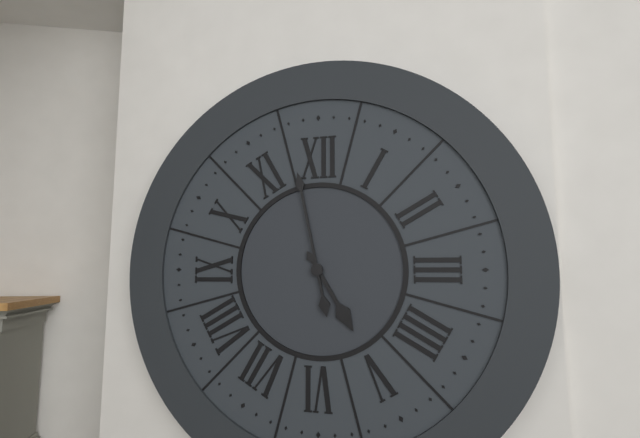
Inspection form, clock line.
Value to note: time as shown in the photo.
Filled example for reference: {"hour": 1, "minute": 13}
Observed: {"hour": 4, "minute": 58}
